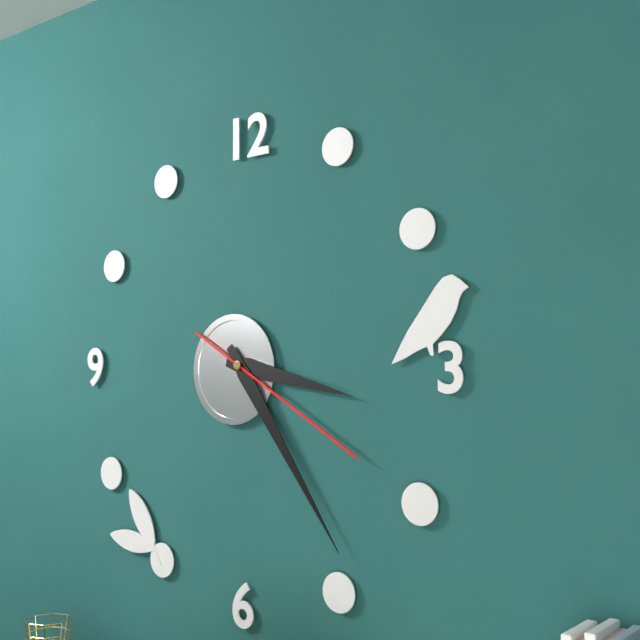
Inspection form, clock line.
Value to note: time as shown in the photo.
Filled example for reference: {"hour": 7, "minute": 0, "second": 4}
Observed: {"hour": 3, "minute": 24, "second": 20}
